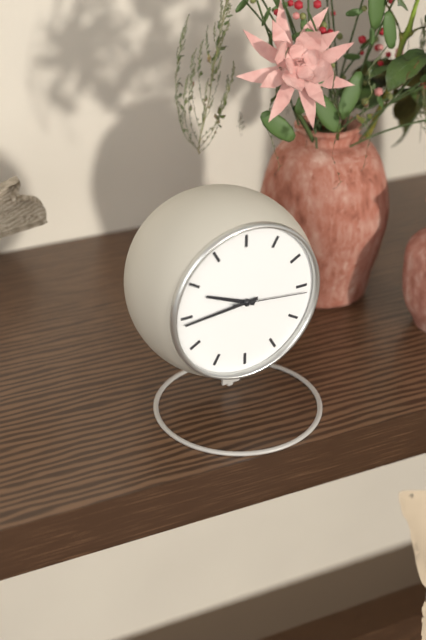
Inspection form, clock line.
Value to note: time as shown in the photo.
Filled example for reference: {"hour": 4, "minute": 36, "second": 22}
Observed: {"hour": 9, "minute": 44, "second": 16}
